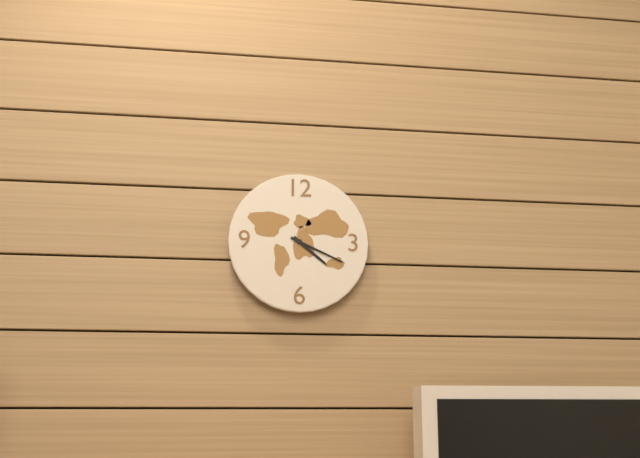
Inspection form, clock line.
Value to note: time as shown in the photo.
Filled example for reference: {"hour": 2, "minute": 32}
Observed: {"hour": 4, "minute": 19}
